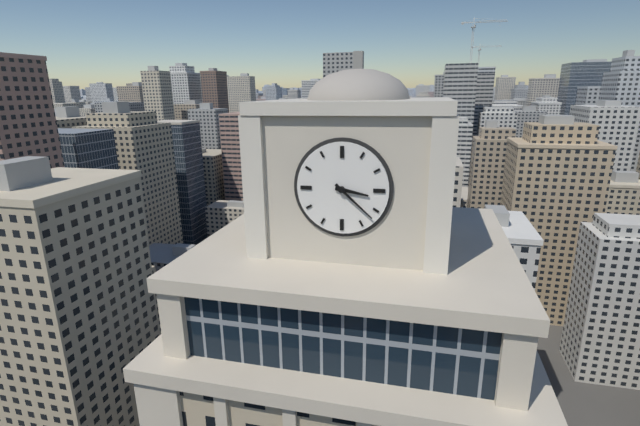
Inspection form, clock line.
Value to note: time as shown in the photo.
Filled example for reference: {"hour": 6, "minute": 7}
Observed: {"hour": 3, "minute": 22}
